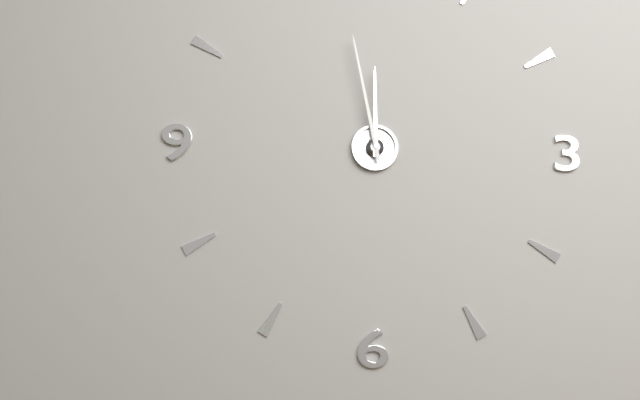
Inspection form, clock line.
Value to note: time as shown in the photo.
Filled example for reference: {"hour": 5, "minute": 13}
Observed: {"hour": 11, "minute": 58}
